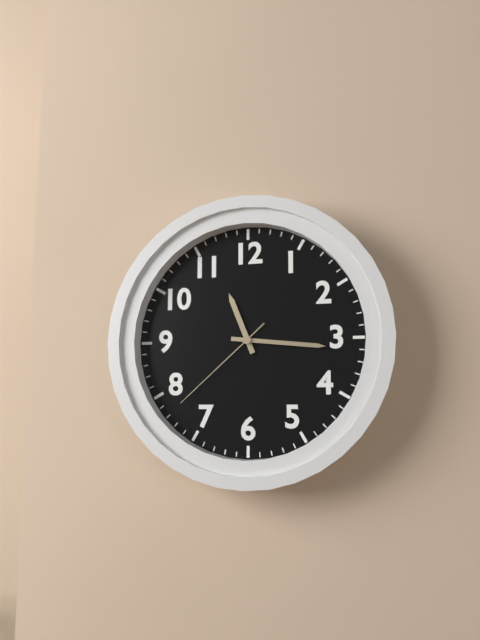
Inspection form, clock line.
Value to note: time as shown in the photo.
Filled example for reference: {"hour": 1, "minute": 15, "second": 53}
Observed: {"hour": 11, "minute": 16, "second": 38}
